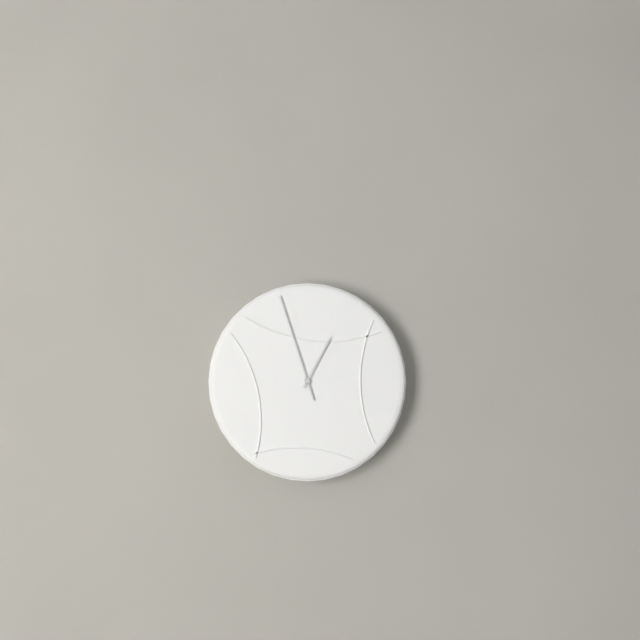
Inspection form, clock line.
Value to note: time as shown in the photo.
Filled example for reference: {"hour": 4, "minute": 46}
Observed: {"hour": 12, "minute": 57}
